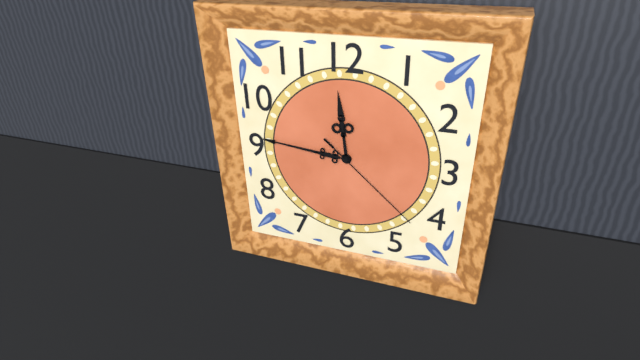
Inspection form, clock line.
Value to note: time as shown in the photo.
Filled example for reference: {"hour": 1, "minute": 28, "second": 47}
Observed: {"hour": 11, "minute": 46, "second": 22}
